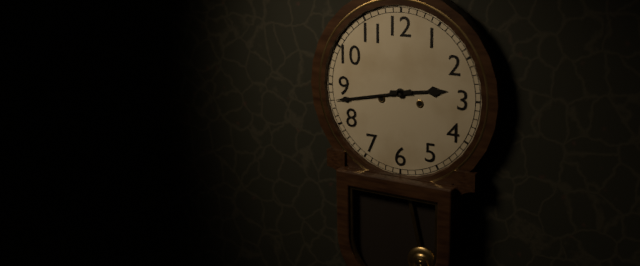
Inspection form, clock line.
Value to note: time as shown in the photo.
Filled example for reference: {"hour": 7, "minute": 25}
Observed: {"hour": 2, "minute": 43}
